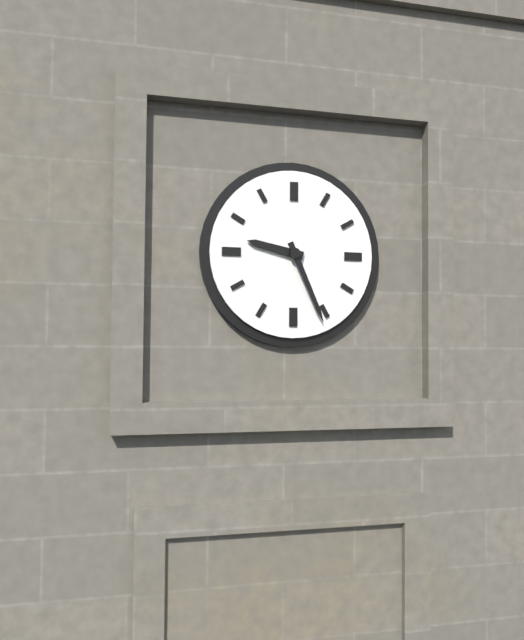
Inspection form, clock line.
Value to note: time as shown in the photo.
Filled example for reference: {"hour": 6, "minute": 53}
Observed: {"hour": 9, "minute": 26}
